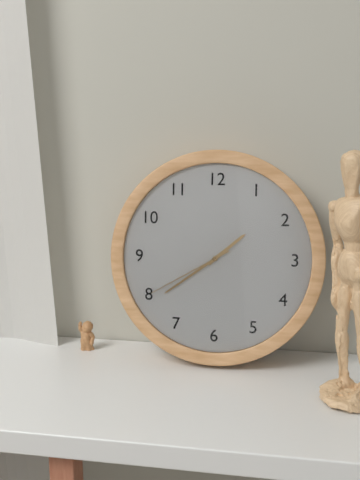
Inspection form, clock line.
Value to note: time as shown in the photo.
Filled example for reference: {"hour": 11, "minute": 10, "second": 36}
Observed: {"hour": 1, "minute": 39, "second": 40}
